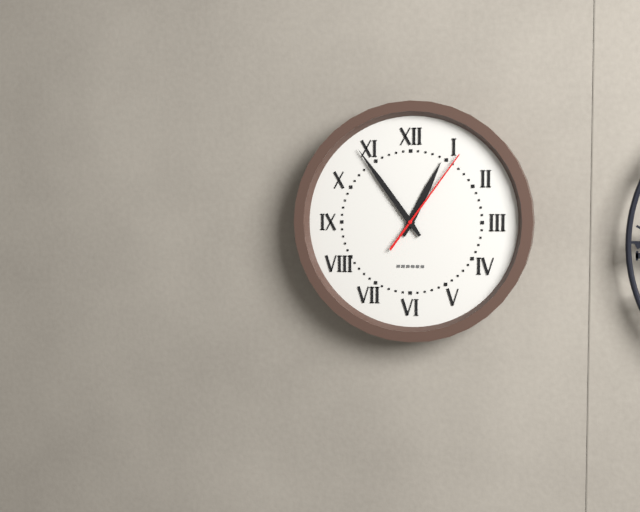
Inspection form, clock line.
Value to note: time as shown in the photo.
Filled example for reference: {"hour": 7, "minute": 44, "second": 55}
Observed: {"hour": 12, "minute": 54, "second": 6}
